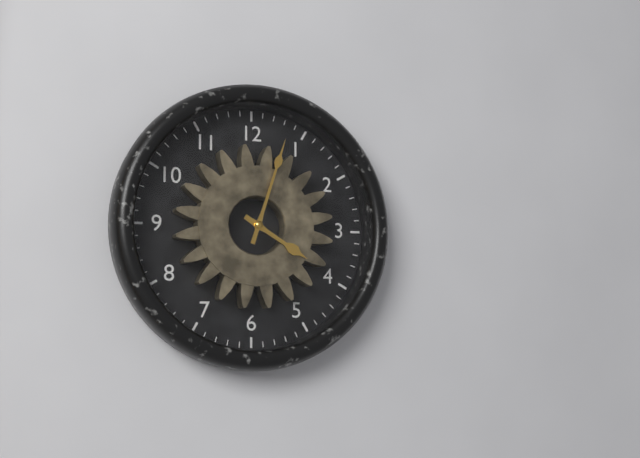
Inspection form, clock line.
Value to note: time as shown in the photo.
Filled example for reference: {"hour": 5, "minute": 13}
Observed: {"hour": 4, "minute": 3}
